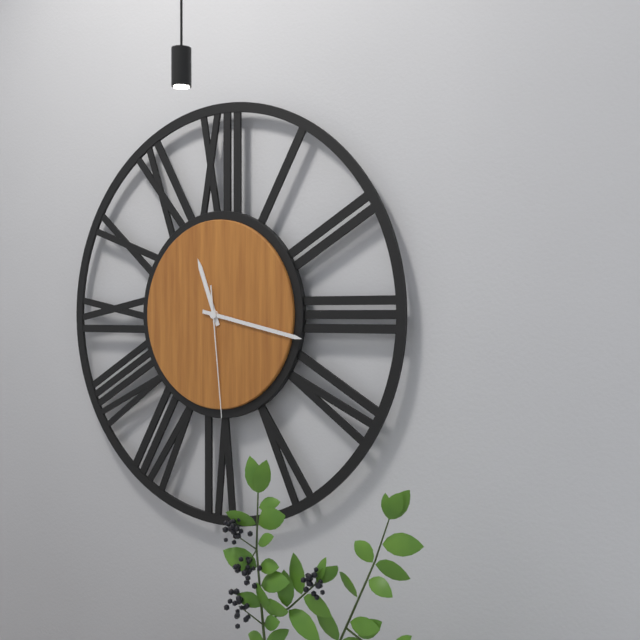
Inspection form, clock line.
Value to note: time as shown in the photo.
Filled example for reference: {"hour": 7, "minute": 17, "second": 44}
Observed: {"hour": 11, "minute": 17, "second": 29}
